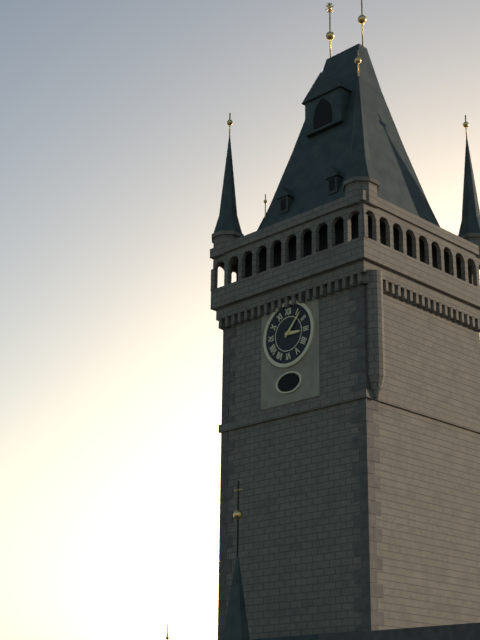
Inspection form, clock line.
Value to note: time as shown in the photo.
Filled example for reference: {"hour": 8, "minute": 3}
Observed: {"hour": 3, "minute": 7}
